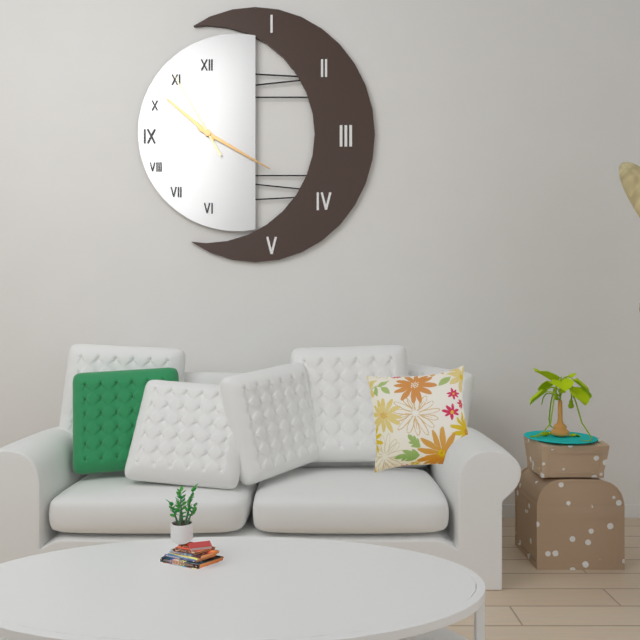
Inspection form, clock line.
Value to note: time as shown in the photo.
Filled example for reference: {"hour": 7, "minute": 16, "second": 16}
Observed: {"hour": 10, "minute": 20, "second": 55}
